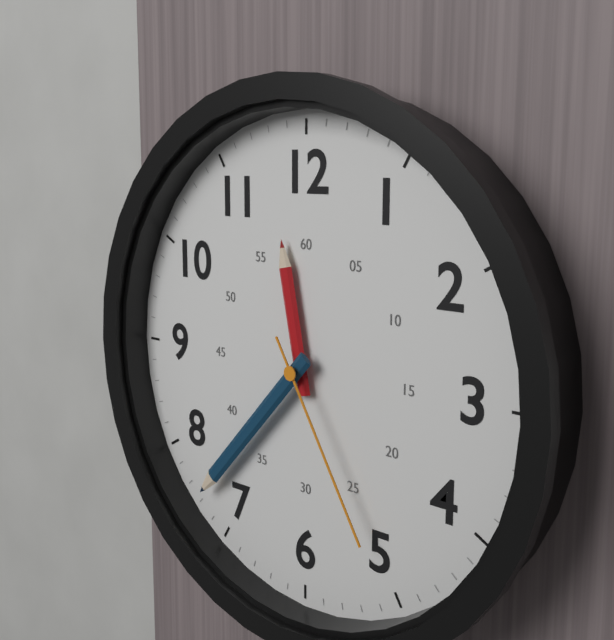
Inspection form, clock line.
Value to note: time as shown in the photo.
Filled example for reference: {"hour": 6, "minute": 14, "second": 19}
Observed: {"hour": 11, "minute": 37, "second": 25}
